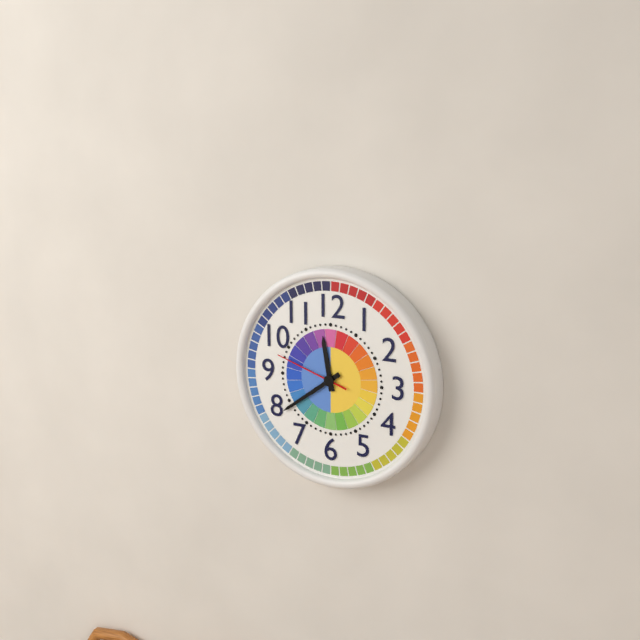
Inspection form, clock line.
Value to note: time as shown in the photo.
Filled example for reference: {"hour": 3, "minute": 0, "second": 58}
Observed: {"hour": 11, "minute": 39, "second": 48}
